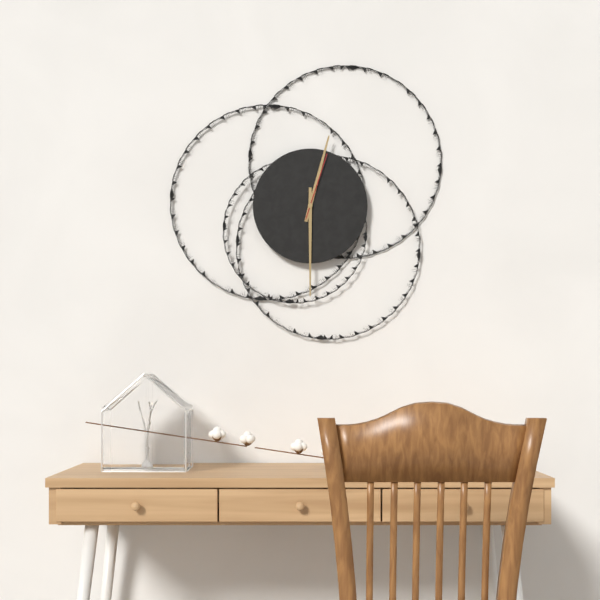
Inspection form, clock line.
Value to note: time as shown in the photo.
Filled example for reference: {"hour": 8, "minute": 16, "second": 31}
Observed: {"hour": 12, "minute": 30, "second": 3}
